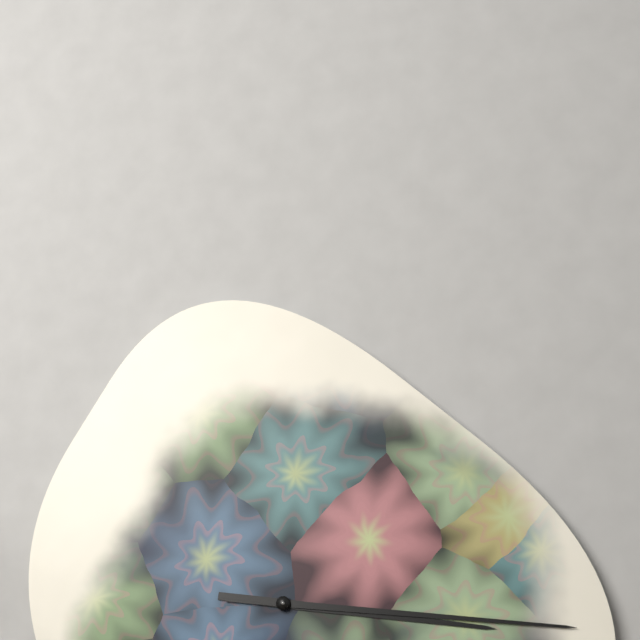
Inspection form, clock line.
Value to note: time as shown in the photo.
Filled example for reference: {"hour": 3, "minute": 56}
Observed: {"hour": 3, "minute": 16}
